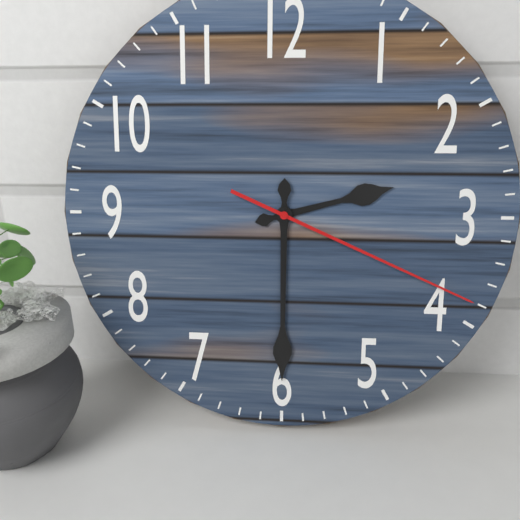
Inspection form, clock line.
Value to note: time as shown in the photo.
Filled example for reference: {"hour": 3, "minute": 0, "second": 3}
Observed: {"hour": 2, "minute": 30, "second": 19}
